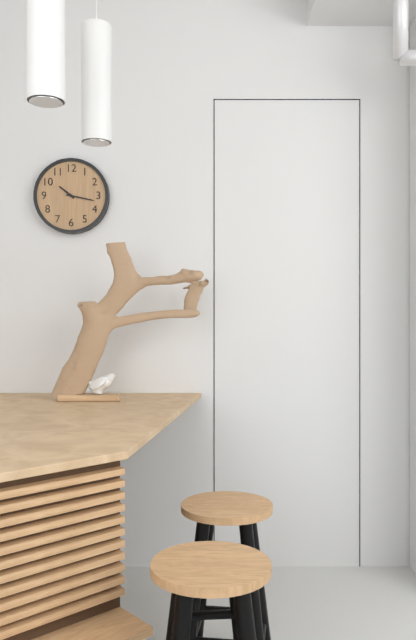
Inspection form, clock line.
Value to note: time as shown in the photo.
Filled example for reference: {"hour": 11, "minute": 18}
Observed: {"hour": 10, "minute": 17}
